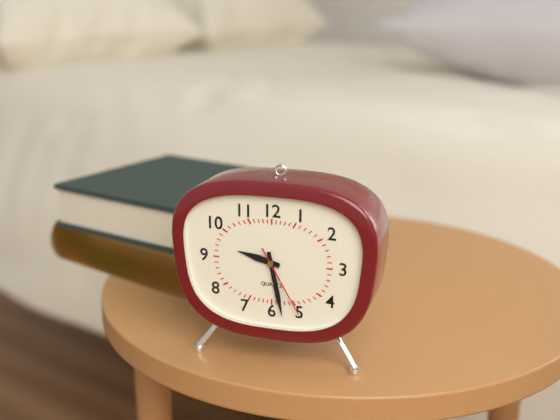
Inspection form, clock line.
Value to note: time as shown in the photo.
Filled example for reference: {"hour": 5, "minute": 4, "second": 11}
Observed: {"hour": 9, "minute": 28, "second": 25}
